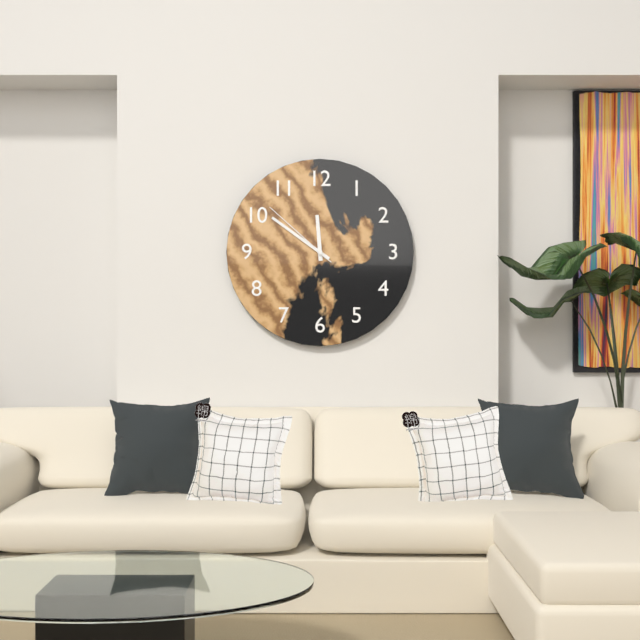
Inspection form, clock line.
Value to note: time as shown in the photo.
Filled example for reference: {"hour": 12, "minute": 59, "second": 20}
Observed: {"hour": 11, "minute": 51, "second": 52}
